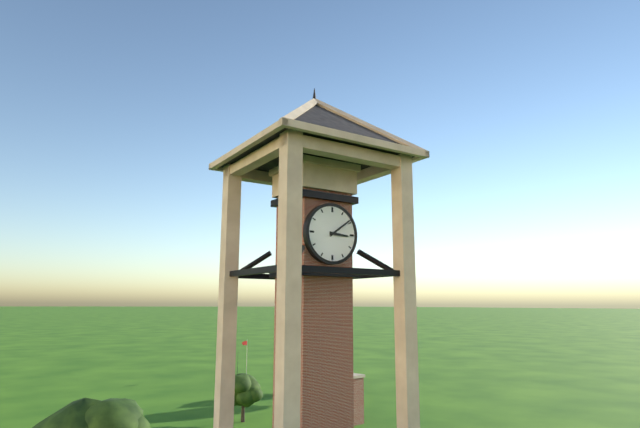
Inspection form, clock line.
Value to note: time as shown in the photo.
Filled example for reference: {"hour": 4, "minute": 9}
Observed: {"hour": 3, "minute": 9}
